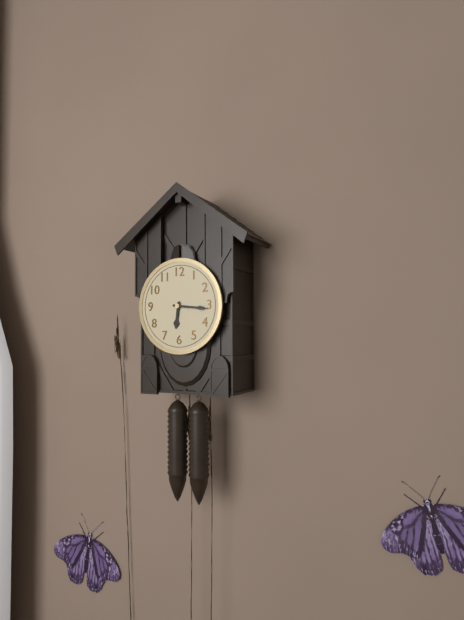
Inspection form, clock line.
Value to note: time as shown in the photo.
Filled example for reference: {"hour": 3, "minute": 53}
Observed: {"hour": 6, "minute": 16}
